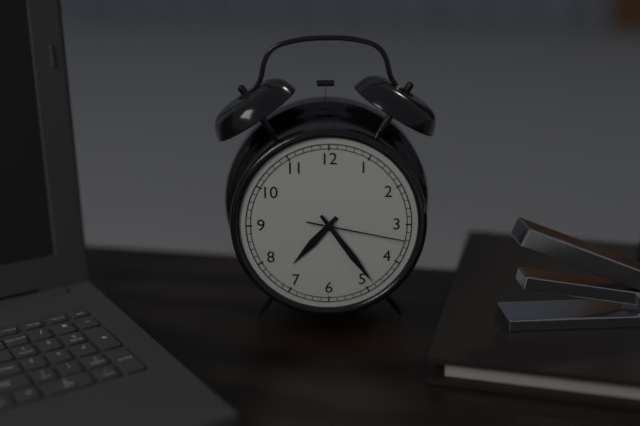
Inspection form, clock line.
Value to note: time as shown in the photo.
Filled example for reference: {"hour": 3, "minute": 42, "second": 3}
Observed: {"hour": 7, "minute": 24, "second": 17}
